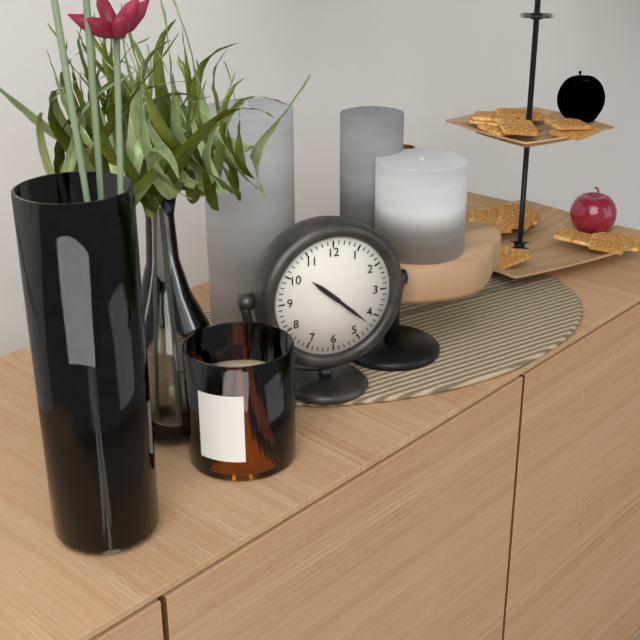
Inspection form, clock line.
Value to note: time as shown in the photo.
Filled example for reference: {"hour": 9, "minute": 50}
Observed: {"hour": 10, "minute": 22}
